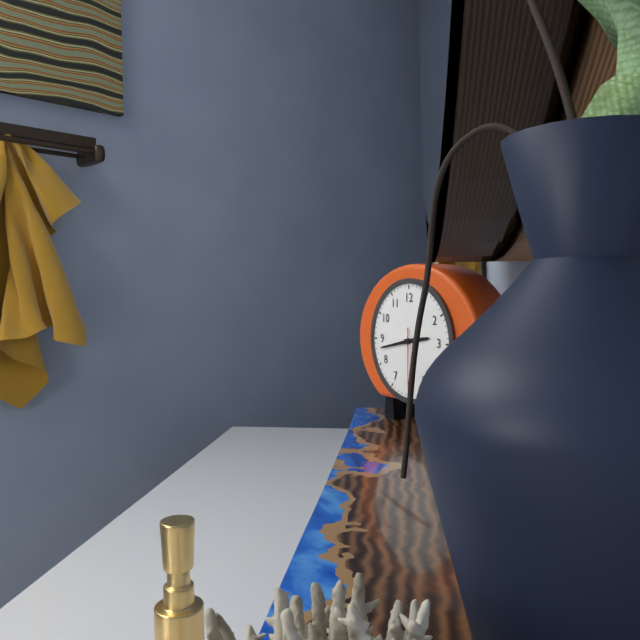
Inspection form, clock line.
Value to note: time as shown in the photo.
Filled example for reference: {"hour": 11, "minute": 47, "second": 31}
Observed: {"hour": 2, "minute": 43, "second": 30}
